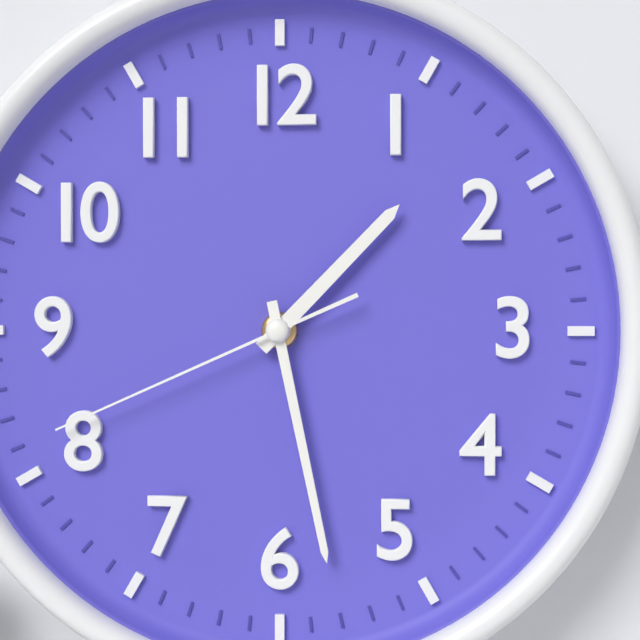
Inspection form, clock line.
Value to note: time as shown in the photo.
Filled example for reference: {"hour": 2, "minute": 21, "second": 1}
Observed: {"hour": 1, "minute": 28, "second": 41}
